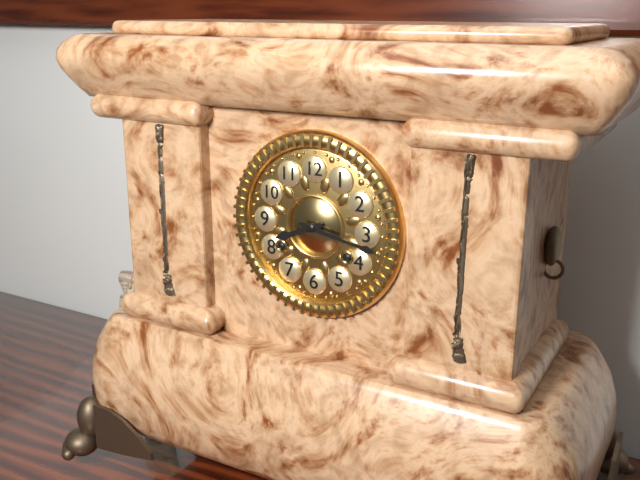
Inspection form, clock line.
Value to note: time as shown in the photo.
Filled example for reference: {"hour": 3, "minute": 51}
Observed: {"hour": 8, "minute": 17}
